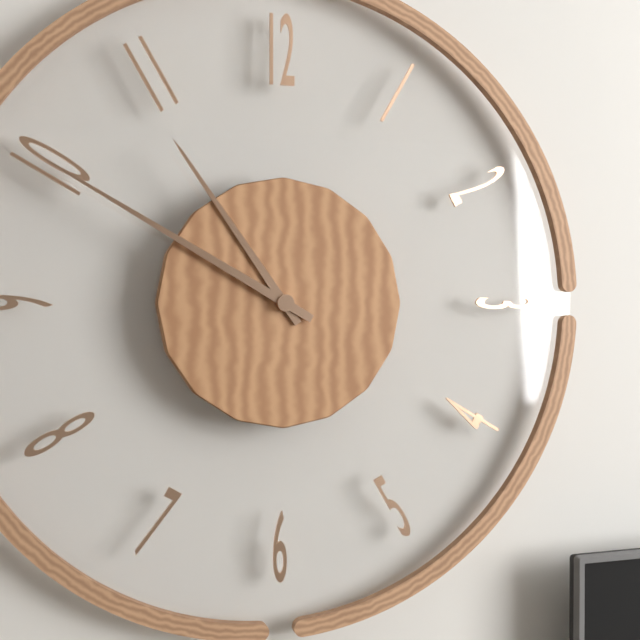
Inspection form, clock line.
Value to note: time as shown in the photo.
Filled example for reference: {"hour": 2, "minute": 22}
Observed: {"hour": 10, "minute": 50}
